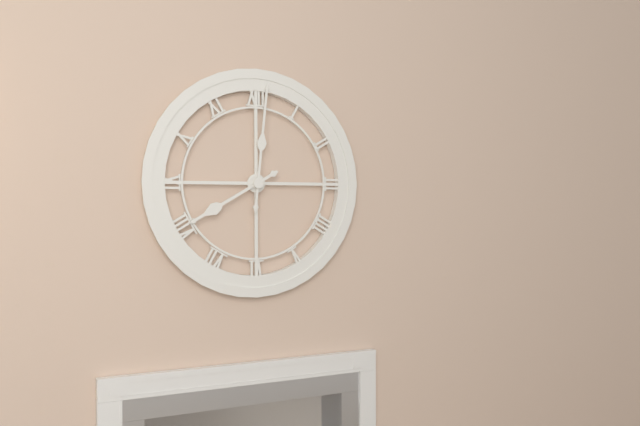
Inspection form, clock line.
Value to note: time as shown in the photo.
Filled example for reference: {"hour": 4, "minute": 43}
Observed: {"hour": 8, "minute": 1}
